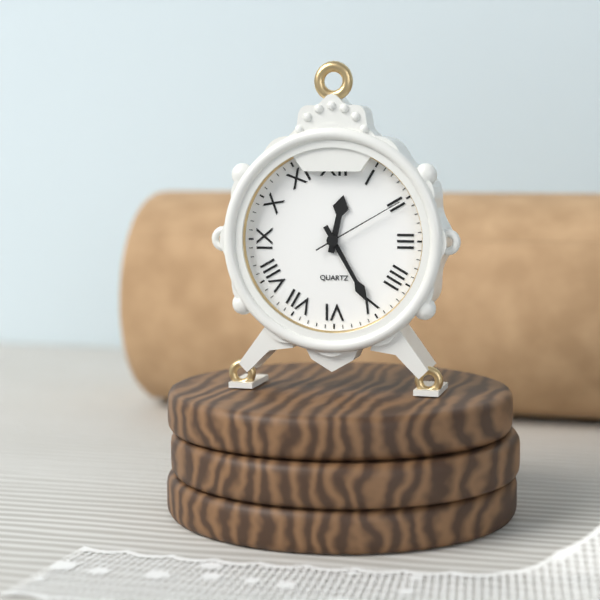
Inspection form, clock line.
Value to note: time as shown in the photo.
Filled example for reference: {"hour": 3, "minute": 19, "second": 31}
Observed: {"hour": 12, "minute": 25, "second": 10}
